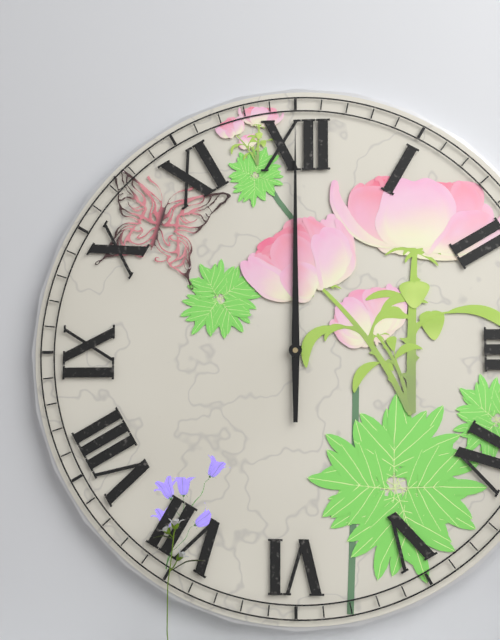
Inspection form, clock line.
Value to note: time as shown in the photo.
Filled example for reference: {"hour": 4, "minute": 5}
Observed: {"hour": 12, "minute": 0}
